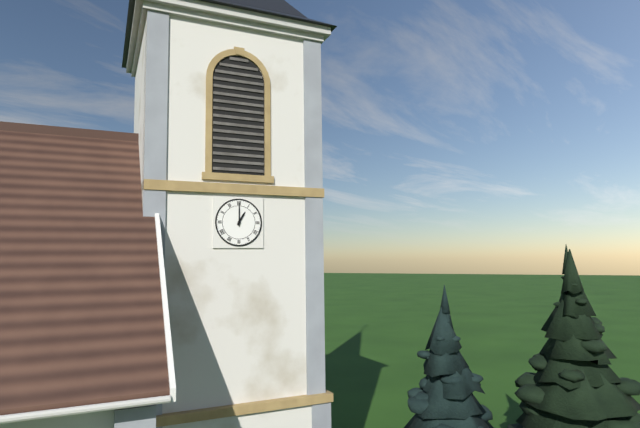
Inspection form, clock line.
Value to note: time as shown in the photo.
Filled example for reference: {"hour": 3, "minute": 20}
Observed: {"hour": 1, "minute": 0}
